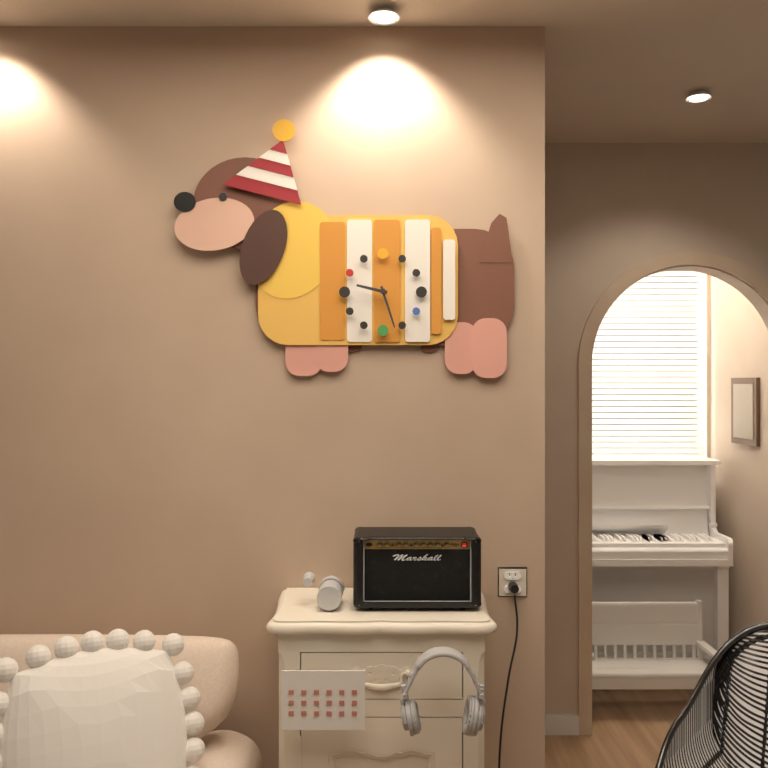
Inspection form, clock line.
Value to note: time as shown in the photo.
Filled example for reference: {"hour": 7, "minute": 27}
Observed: {"hour": 9, "minute": 27}
